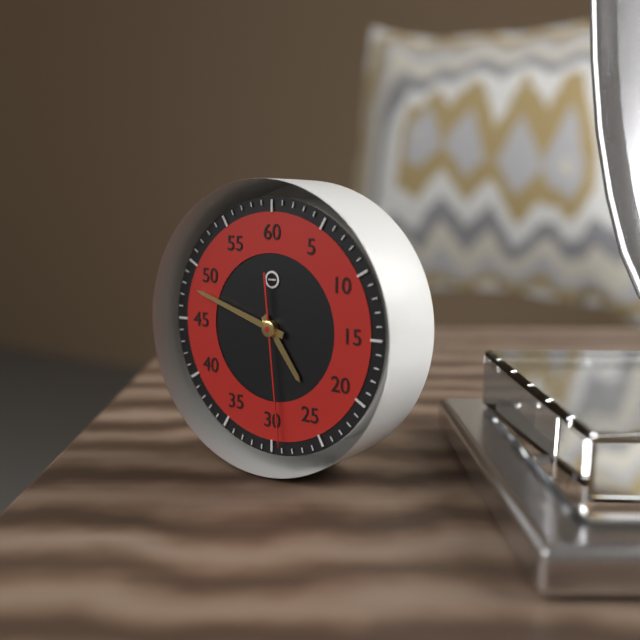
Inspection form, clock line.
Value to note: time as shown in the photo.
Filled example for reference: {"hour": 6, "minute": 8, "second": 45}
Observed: {"hour": 4, "minute": 48, "second": 29}
